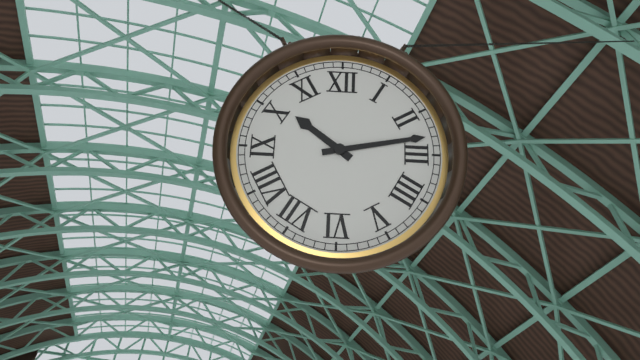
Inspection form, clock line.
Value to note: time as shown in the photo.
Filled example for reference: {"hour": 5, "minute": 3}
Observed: {"hour": 10, "minute": 13}
